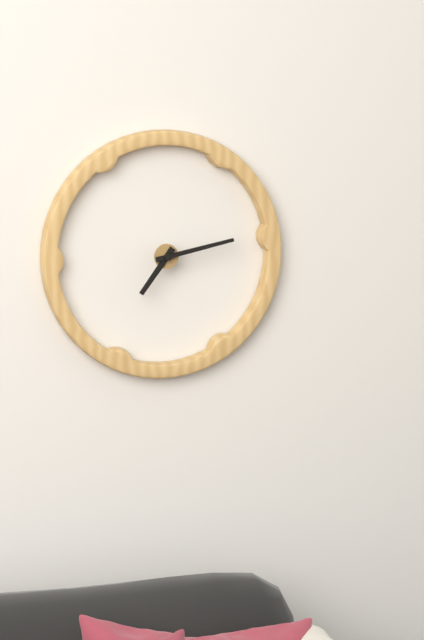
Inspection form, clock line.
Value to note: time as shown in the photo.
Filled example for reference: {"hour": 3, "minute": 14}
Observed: {"hour": 7, "minute": 13}
